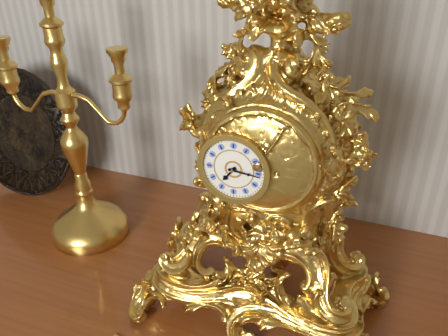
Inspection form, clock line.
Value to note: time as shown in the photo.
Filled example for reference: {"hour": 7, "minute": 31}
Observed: {"hour": 7, "minute": 16}
